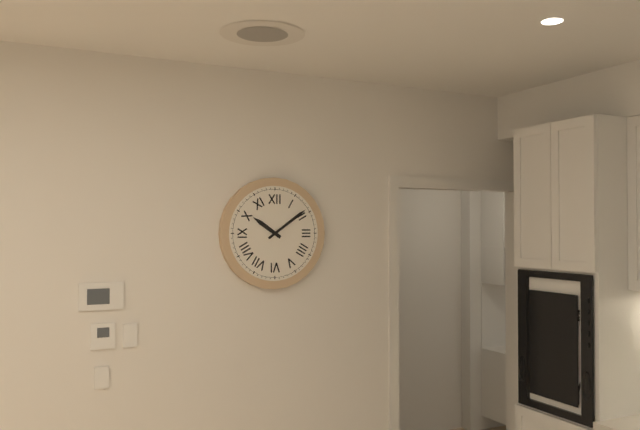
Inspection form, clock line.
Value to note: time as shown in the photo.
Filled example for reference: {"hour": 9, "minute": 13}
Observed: {"hour": 10, "minute": 9}
